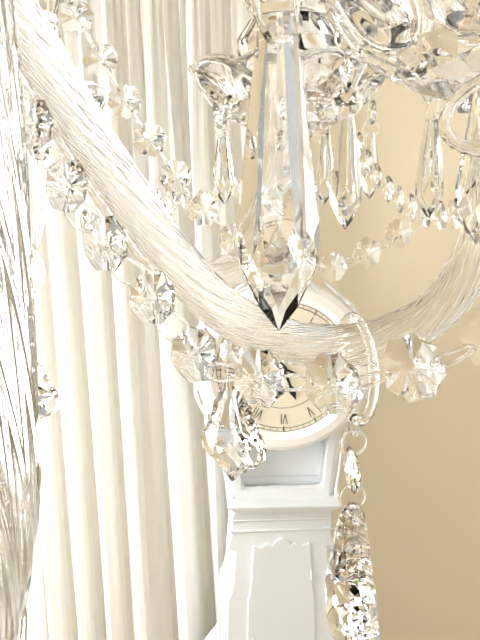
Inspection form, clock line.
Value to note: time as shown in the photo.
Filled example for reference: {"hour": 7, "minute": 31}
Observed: {"hour": 5, "minute": 19}
